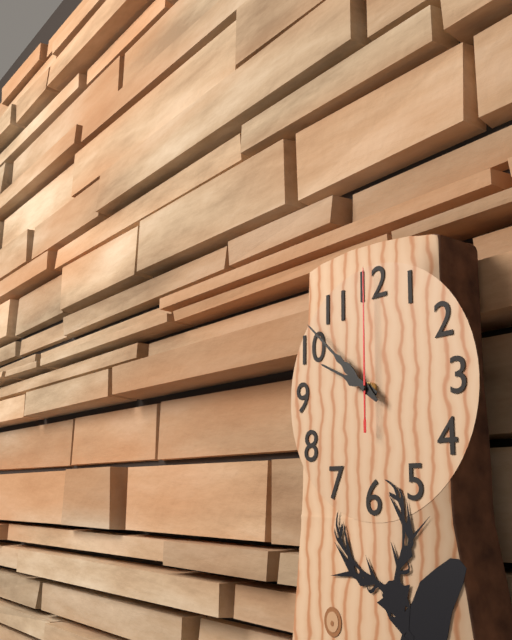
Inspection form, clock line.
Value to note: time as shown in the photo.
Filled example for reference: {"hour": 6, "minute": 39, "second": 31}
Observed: {"hour": 9, "minute": 52, "second": 0}
